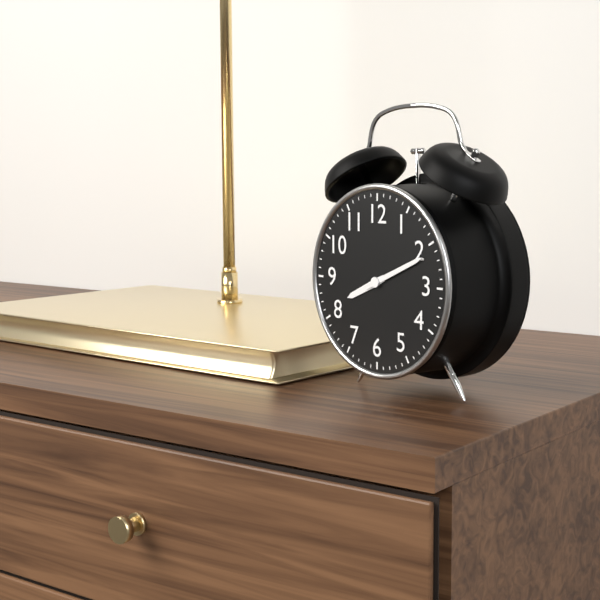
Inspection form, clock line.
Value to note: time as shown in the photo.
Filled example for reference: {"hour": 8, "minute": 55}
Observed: {"hour": 8, "minute": 11}
